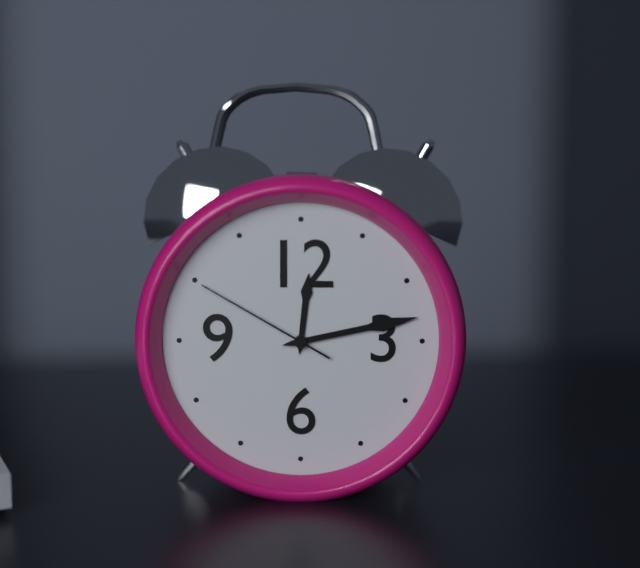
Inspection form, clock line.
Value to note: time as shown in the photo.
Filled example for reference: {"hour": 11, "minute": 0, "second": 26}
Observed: {"hour": 12, "minute": 13, "second": 50}
